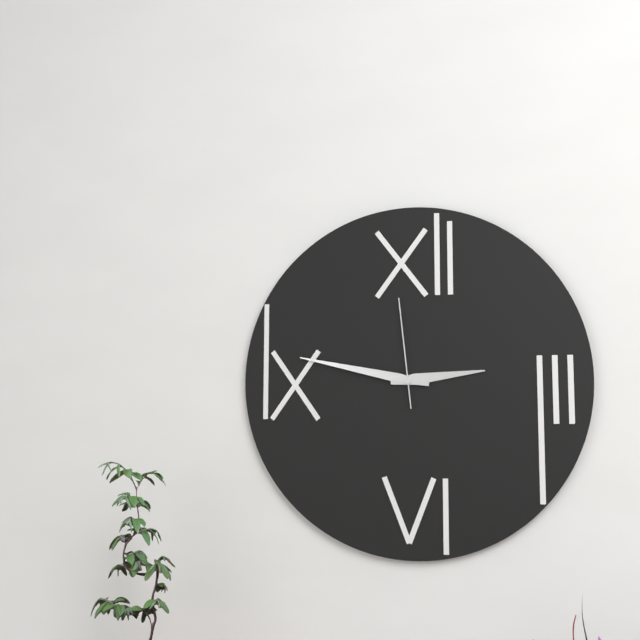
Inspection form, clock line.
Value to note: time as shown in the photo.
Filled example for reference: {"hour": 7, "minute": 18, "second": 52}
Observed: {"hour": 2, "minute": 47, "second": 59}
